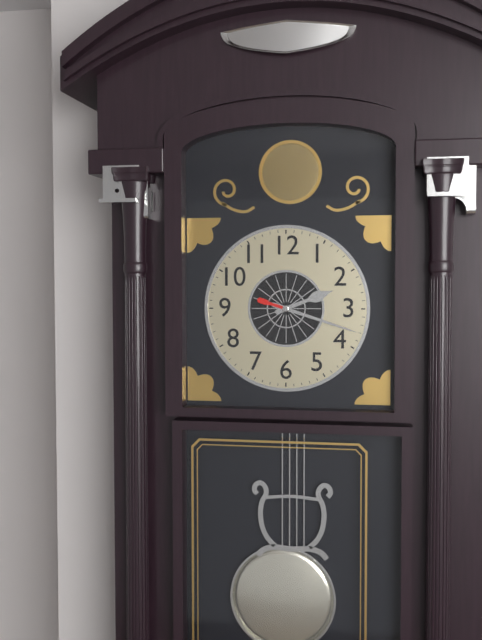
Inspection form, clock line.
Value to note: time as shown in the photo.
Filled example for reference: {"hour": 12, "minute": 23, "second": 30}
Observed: {"hour": 2, "minute": 18, "second": 18}
